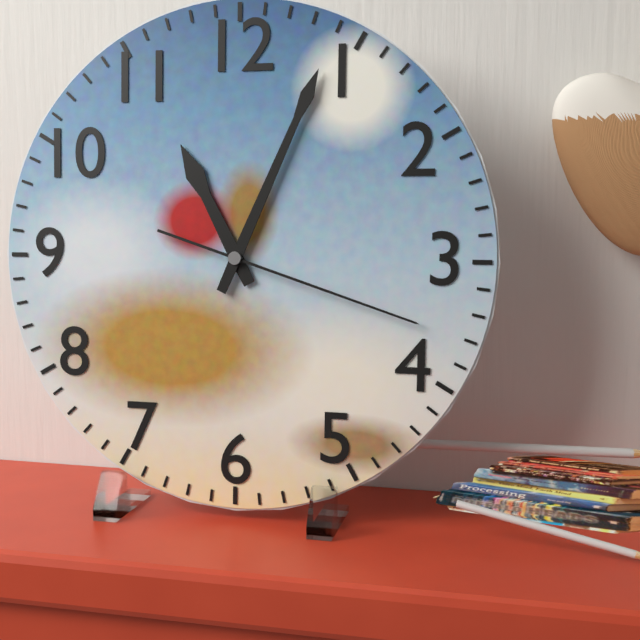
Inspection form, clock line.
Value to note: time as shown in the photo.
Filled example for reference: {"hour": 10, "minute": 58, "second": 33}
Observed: {"hour": 11, "minute": 4, "second": 18}
